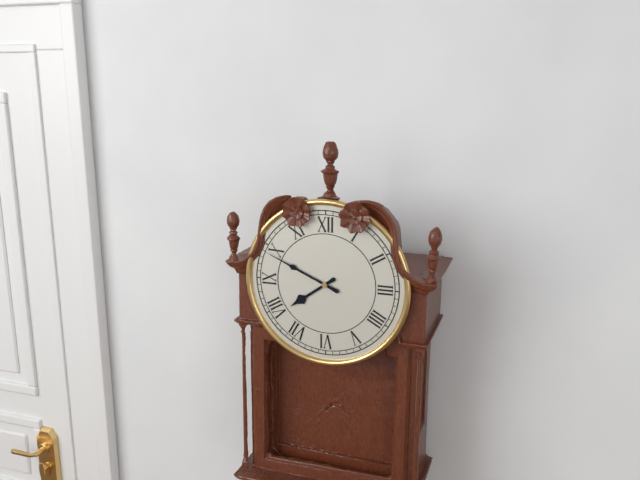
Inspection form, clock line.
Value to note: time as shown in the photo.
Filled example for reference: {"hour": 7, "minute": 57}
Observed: {"hour": 7, "minute": 49}
